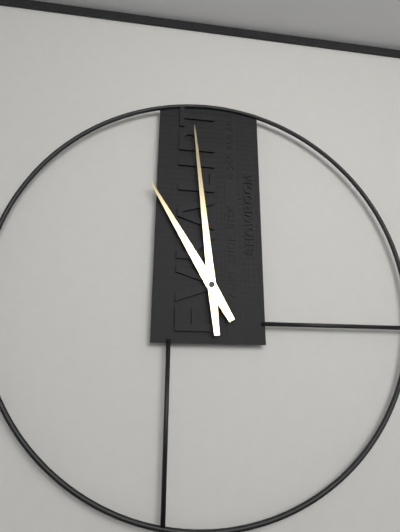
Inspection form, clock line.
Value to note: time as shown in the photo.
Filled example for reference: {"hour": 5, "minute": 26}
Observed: {"hour": 10, "minute": 59}
